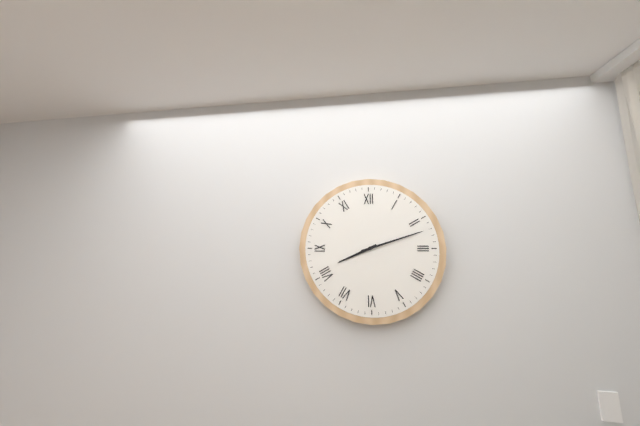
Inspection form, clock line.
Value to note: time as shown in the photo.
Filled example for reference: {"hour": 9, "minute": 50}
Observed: {"hour": 8, "minute": 12}
